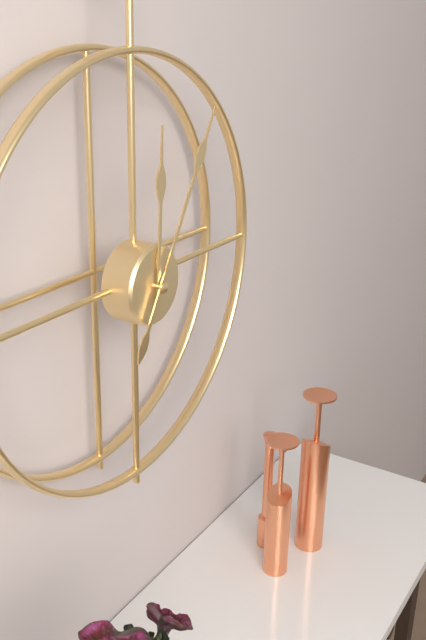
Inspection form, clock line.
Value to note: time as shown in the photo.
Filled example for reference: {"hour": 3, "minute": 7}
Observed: {"hour": 12, "minute": 5}
